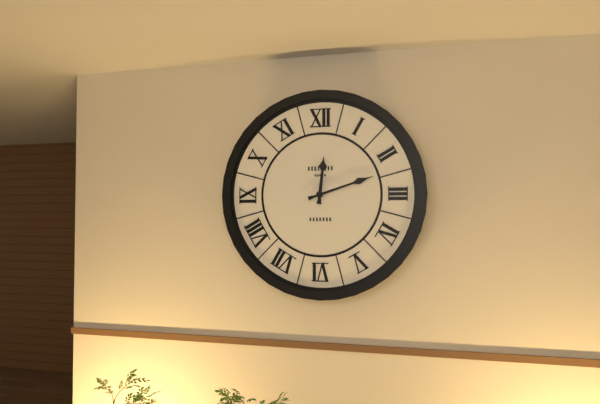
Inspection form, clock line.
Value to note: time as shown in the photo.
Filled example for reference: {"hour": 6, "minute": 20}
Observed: {"hour": 12, "minute": 12}
